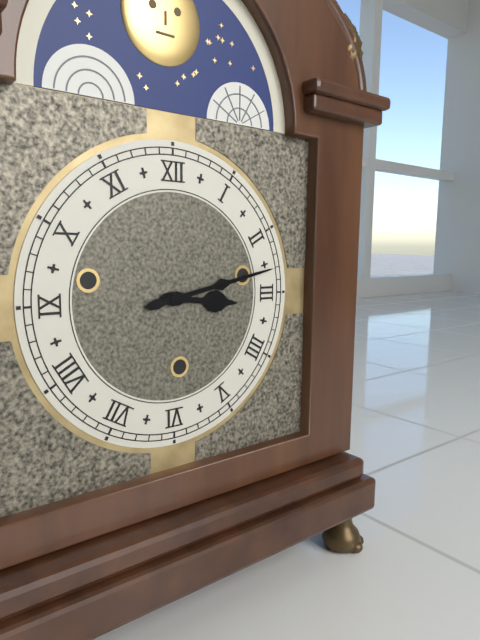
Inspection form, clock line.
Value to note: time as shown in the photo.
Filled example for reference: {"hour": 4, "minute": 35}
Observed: {"hour": 3, "minute": 13}
